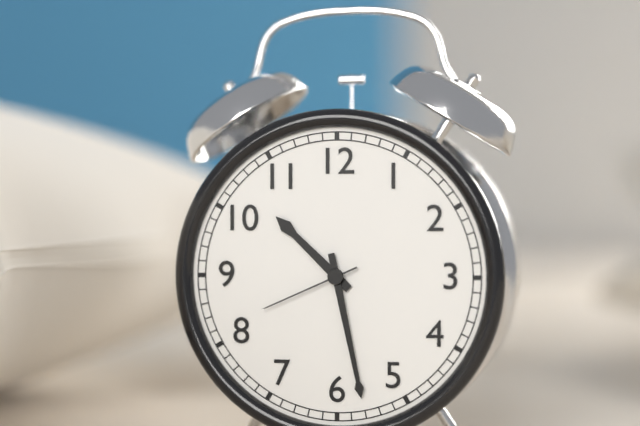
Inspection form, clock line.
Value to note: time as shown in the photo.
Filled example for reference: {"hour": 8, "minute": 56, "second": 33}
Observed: {"hour": 10, "minute": 28, "second": 41}
